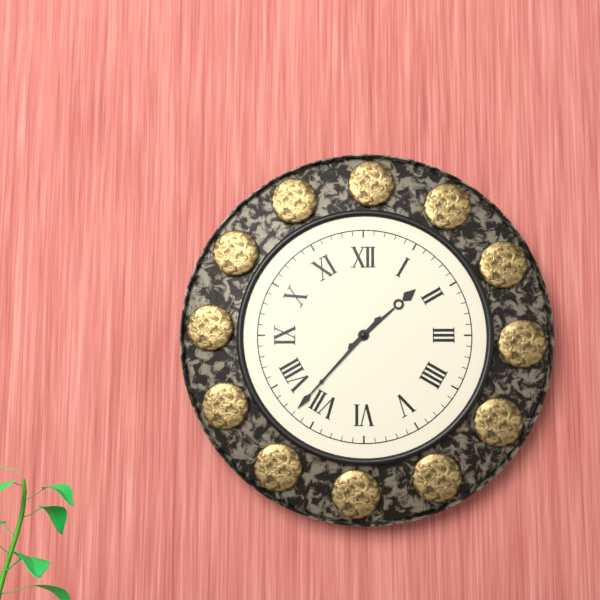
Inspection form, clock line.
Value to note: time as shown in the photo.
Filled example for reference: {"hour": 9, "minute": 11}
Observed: {"hour": 1, "minute": 37}
